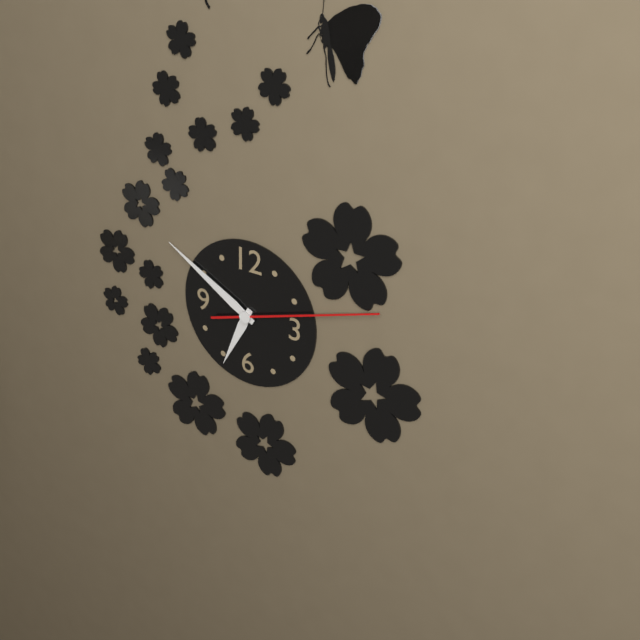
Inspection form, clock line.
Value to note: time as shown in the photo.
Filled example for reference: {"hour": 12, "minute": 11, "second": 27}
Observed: {"hour": 6, "minute": 50, "second": 12}
